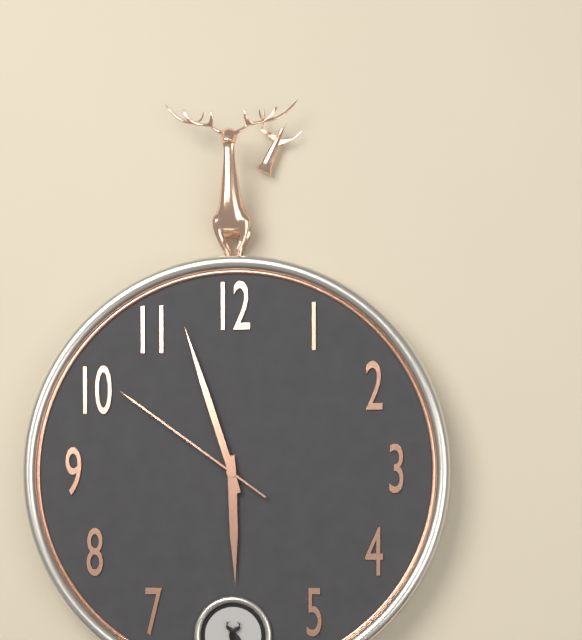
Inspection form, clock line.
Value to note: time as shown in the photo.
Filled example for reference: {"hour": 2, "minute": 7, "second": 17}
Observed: {"hour": 5, "minute": 57, "second": 51}
